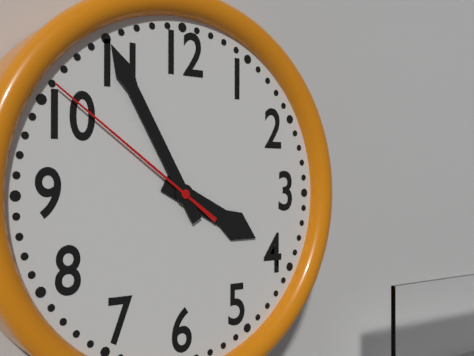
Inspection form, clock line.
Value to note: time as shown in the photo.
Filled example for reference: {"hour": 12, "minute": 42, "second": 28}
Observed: {"hour": 3, "minute": 55, "second": 51}
